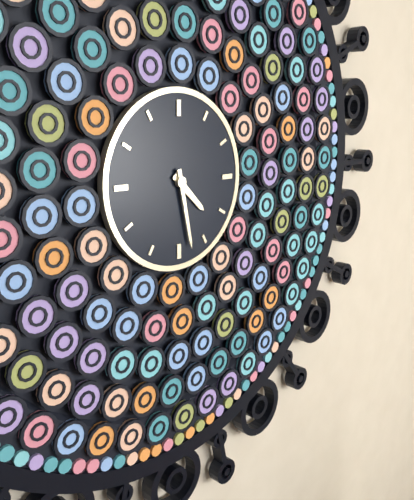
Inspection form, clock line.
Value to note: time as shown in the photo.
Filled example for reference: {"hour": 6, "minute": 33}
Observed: {"hour": 4, "minute": 28}
